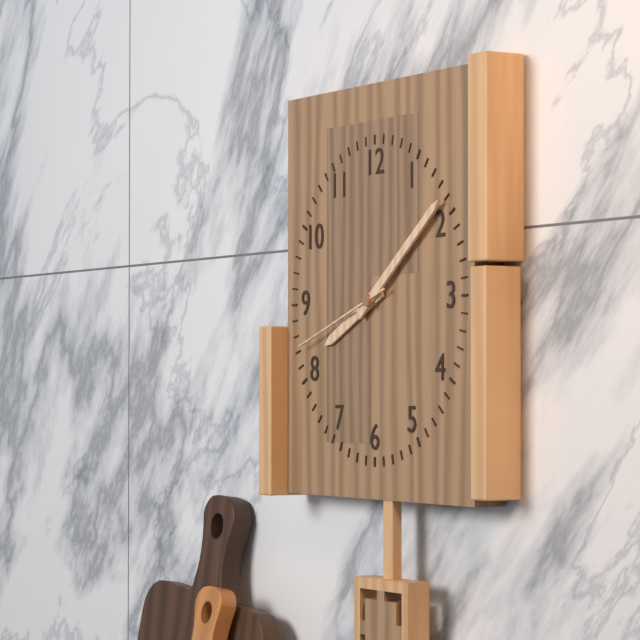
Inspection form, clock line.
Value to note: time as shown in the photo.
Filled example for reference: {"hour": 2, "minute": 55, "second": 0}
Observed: {"hour": 8, "minute": 9, "second": 42}
